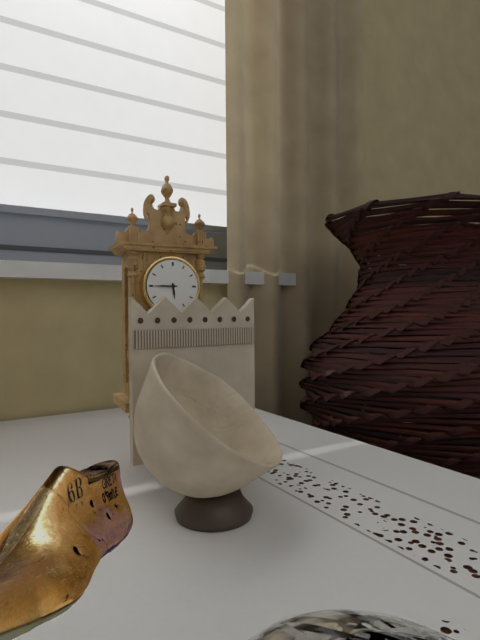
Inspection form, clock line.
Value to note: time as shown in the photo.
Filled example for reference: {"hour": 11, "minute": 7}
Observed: {"hour": 5, "minute": 45}
